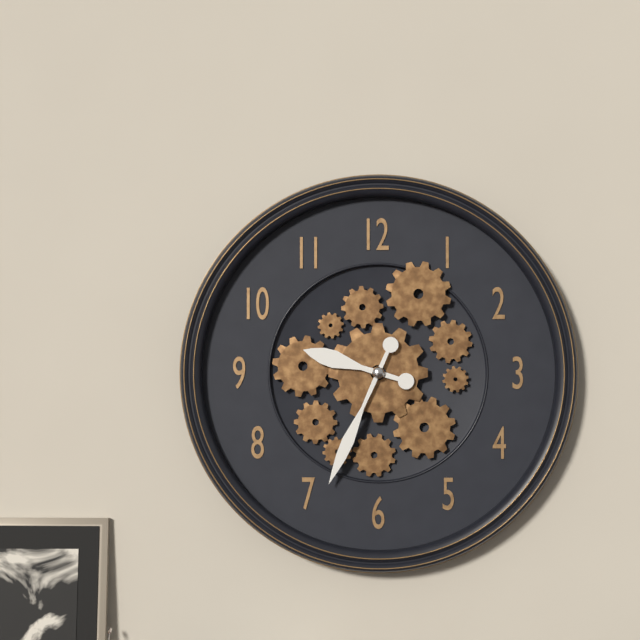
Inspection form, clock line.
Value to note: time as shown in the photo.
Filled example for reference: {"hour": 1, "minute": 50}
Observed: {"hour": 9, "minute": 34}
